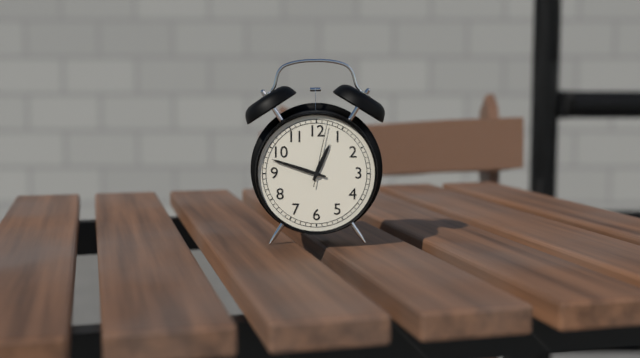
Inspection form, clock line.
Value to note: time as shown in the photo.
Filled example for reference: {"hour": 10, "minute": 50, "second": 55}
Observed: {"hour": 12, "minute": 48, "second": 2}
